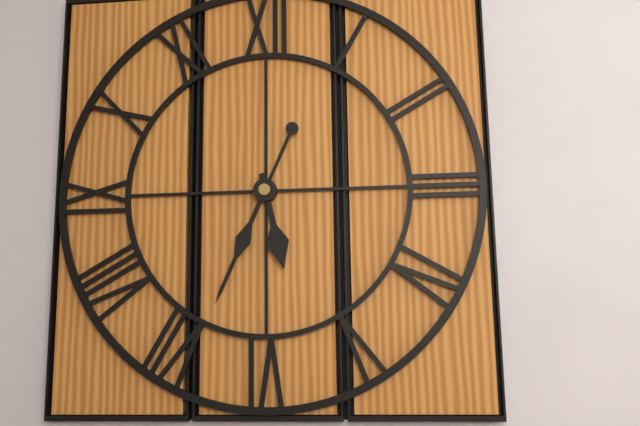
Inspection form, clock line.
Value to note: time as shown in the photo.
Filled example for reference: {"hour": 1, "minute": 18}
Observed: {"hour": 5, "minute": 34}
